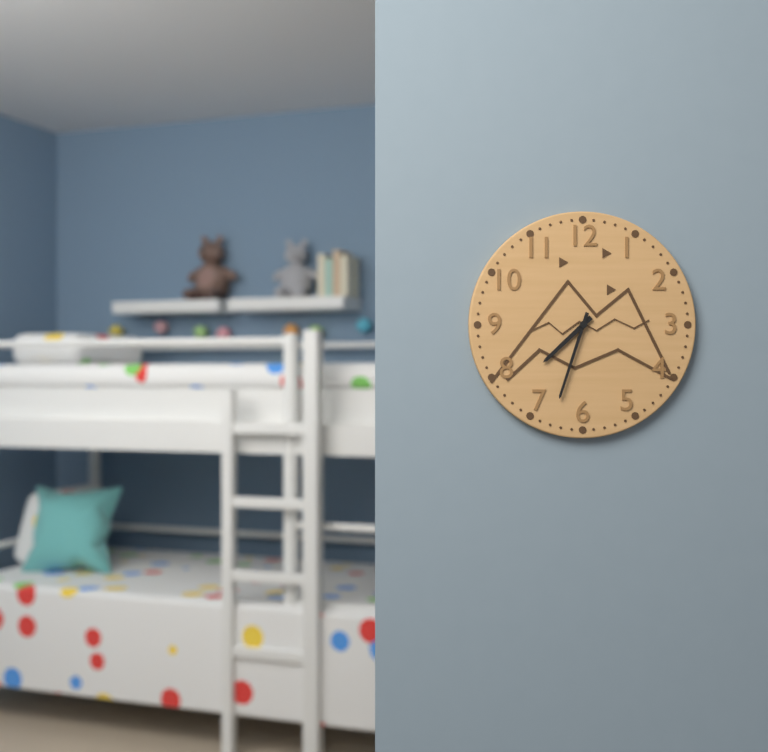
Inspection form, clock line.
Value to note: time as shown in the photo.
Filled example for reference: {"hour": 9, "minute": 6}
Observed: {"hour": 7, "minute": 33}
